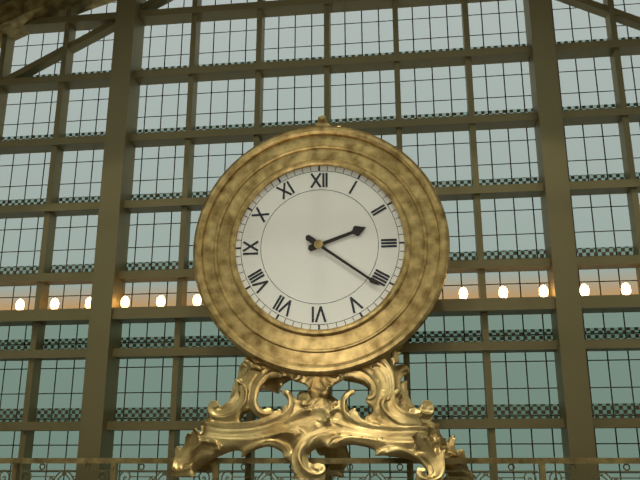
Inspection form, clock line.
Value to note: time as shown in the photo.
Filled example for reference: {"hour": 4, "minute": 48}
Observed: {"hour": 2, "minute": 21}
